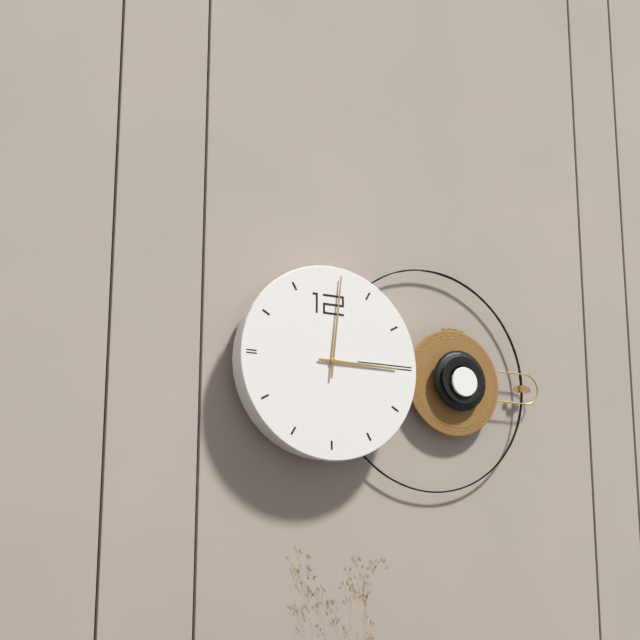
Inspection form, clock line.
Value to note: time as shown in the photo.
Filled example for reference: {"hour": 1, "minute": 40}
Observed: {"hour": 3, "minute": 1}
